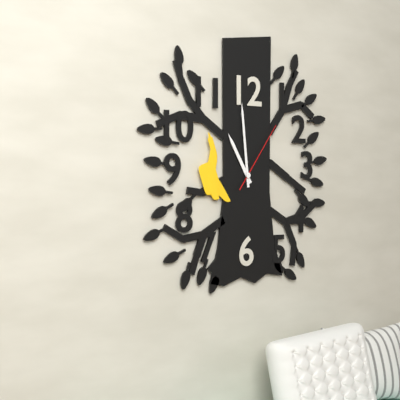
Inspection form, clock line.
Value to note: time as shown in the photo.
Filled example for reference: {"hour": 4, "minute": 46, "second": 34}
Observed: {"hour": 10, "minute": 59, "second": 6}
